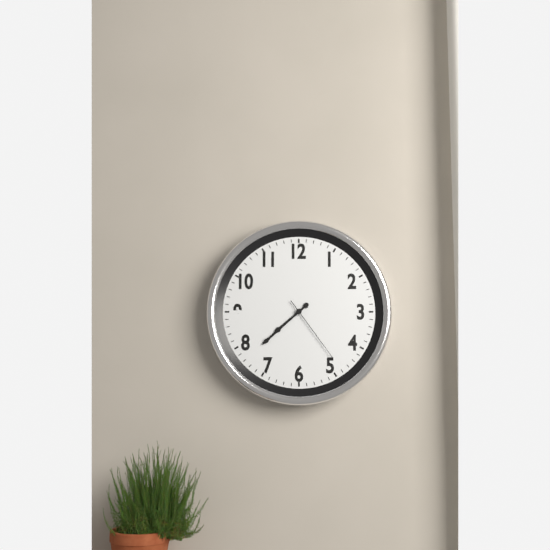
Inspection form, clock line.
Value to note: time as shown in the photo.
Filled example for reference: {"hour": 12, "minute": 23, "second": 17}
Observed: {"hour": 7, "minute": 38, "second": 24}
